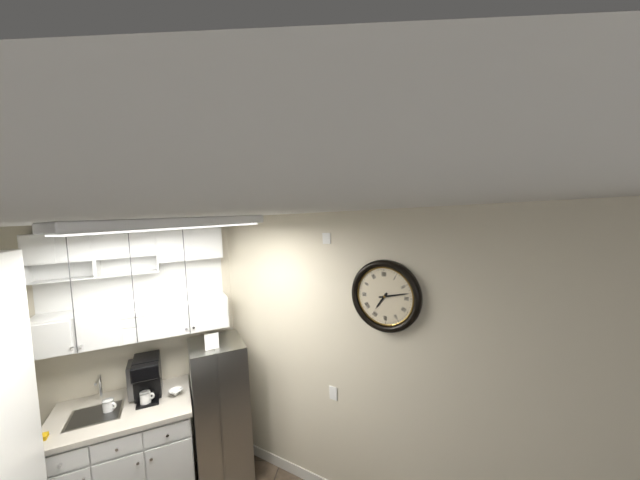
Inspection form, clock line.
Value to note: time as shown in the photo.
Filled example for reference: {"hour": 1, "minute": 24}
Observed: {"hour": 7, "minute": 13}
